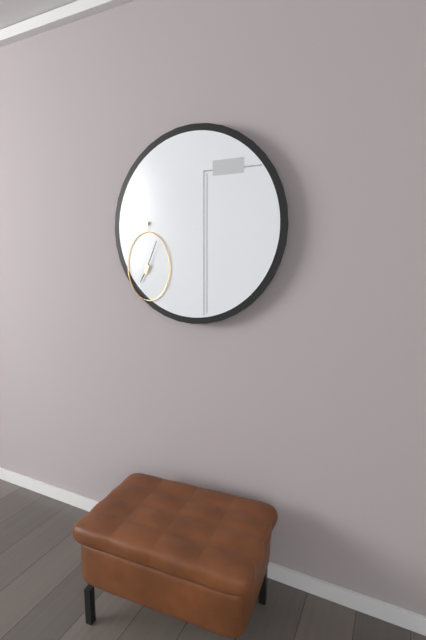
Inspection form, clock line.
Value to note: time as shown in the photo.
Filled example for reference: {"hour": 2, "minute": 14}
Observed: {"hour": 7, "minute": 4}
